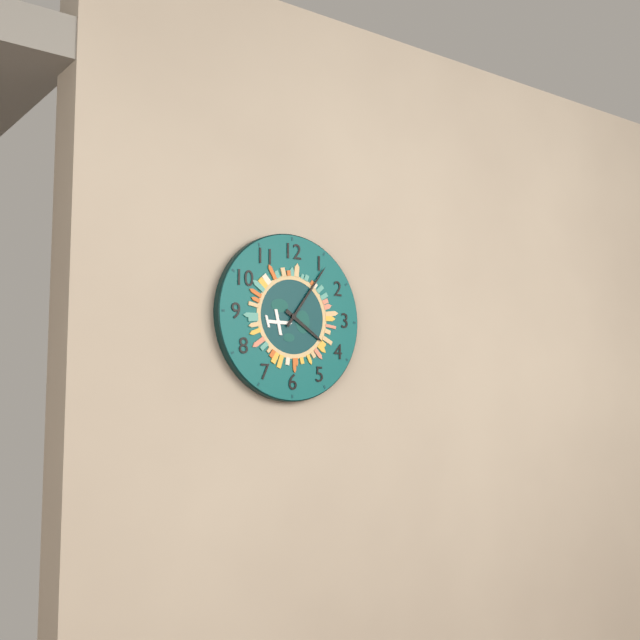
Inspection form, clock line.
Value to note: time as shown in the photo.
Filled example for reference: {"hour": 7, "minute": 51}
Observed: {"hour": 4, "minute": 6}
